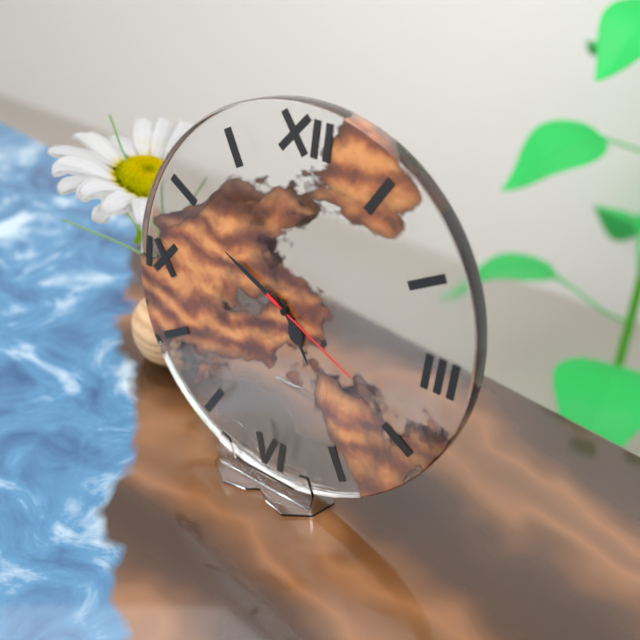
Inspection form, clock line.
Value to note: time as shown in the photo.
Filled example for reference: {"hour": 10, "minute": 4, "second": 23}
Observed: {"hour": 4, "minute": 49, "second": 19}
